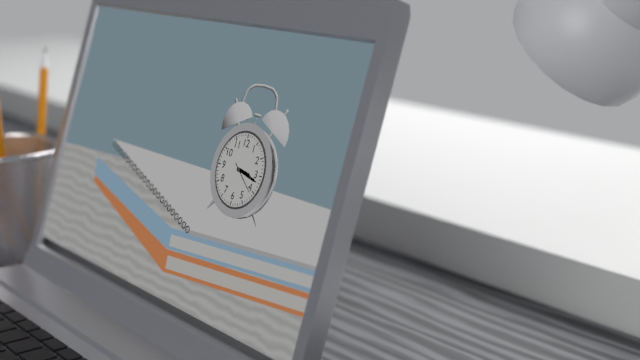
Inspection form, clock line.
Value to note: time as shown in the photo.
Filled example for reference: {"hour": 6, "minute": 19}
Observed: {"hour": 3, "minute": 17}
